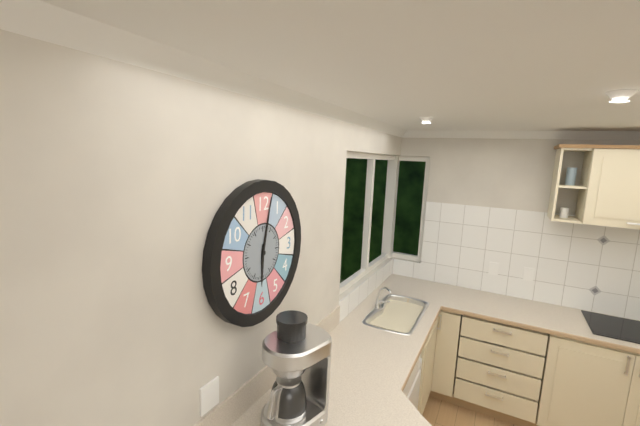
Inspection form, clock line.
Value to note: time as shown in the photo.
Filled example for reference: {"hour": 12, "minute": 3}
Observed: {"hour": 6, "minute": 2}
